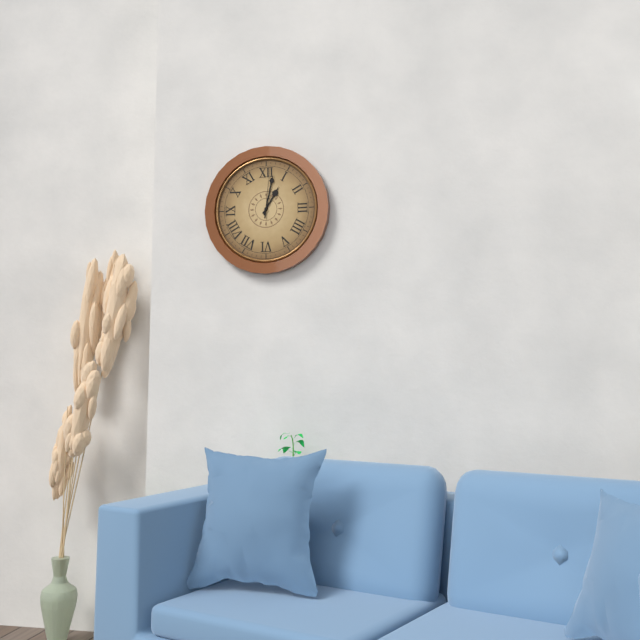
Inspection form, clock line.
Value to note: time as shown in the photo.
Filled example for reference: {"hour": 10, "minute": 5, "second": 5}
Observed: {"hour": 1, "minute": 2, "second": 1}
